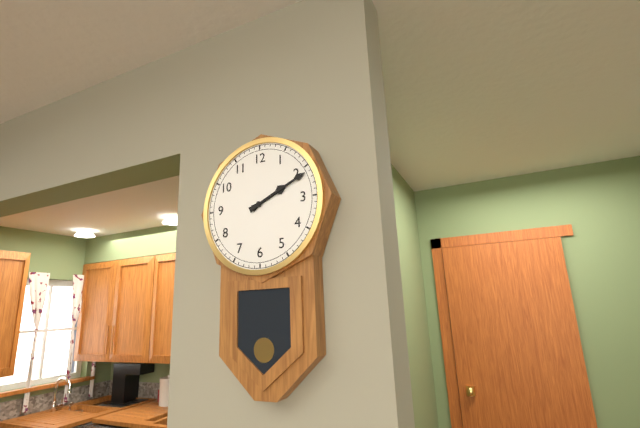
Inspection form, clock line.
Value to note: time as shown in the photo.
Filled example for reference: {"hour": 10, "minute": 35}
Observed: {"hour": 2, "minute": 11}
